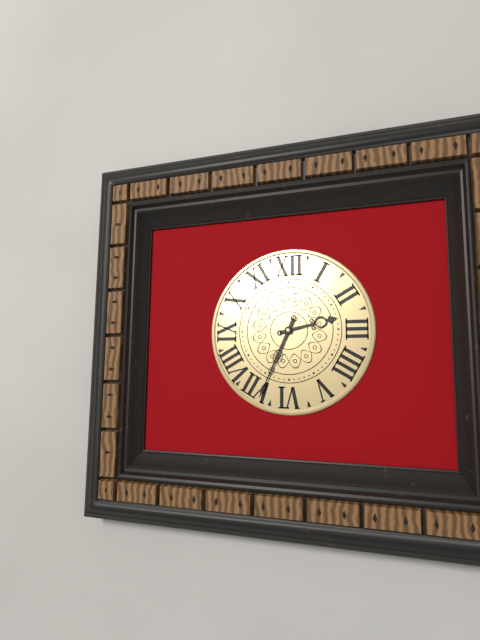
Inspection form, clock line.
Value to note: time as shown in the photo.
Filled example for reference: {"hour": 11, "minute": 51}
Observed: {"hour": 2, "minute": 34}
